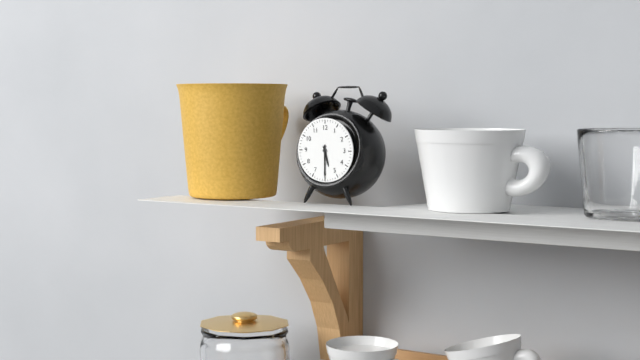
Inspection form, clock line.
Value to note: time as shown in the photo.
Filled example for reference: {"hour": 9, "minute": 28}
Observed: {"hour": 5, "minute": 30}
